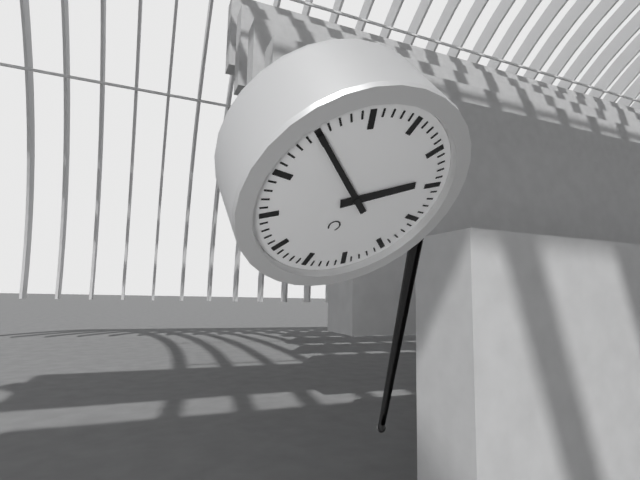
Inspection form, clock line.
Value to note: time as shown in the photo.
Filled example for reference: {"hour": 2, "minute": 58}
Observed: {"hour": 1, "minute": 50}
